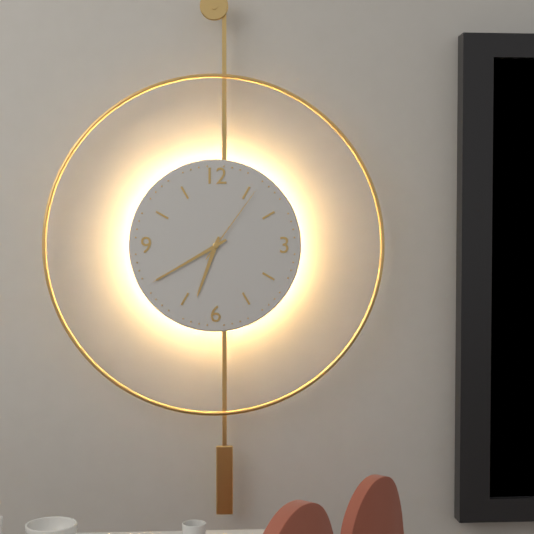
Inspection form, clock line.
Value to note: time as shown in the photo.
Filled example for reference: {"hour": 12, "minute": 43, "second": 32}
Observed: {"hour": 6, "minute": 40, "second": 6}
